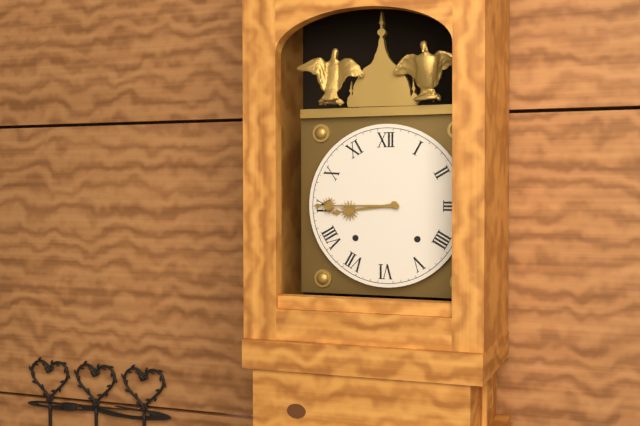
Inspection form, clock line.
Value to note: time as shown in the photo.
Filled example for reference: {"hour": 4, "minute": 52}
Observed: {"hour": 8, "minute": 45}
